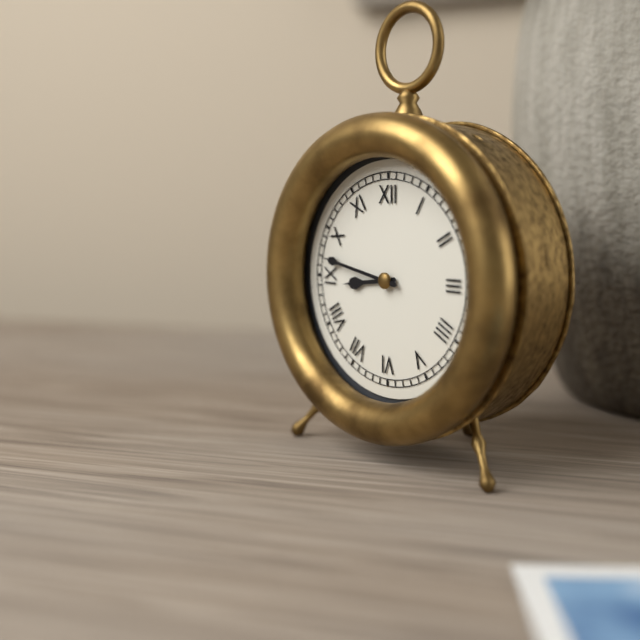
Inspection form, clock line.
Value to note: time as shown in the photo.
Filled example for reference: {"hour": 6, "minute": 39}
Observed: {"hour": 8, "minute": 47}
